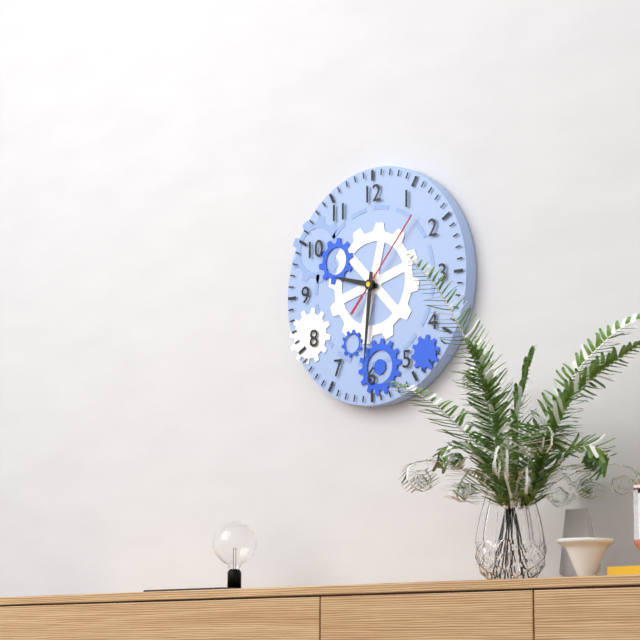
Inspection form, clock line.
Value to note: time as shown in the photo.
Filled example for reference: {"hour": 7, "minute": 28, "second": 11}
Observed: {"hour": 9, "minute": 31, "second": 7}
